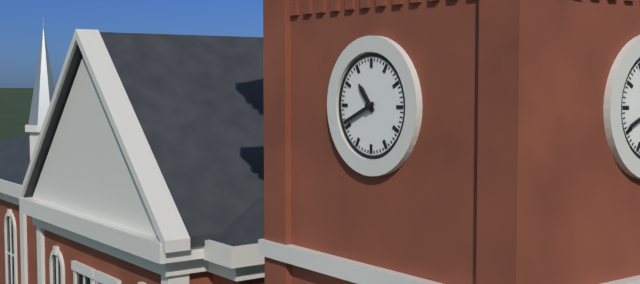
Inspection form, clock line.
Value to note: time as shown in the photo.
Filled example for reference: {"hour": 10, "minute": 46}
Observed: {"hour": 10, "minute": 41}
